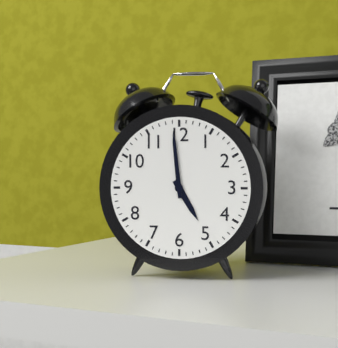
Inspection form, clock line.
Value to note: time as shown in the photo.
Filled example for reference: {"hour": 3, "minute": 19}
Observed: {"hour": 4, "minute": 59}
